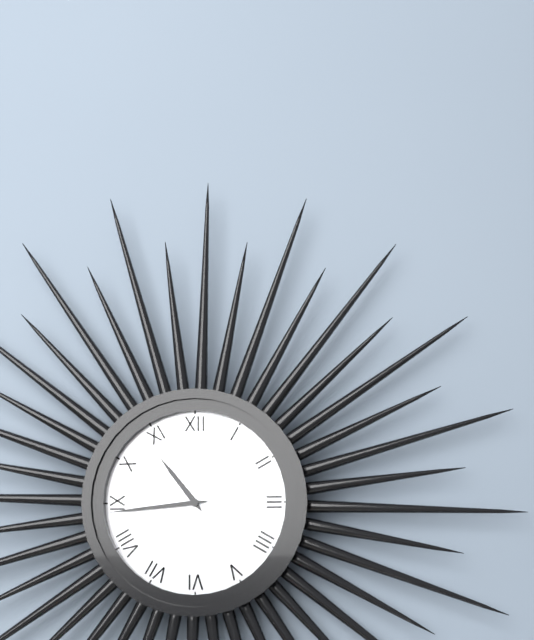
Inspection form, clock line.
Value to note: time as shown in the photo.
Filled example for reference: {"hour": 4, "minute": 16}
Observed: {"hour": 10, "minute": 44}
